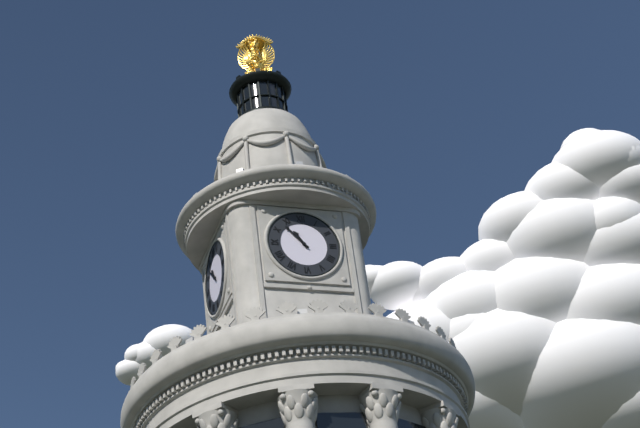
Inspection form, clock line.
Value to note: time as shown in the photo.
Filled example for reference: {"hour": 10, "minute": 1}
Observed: {"hour": 10, "minute": 53}
